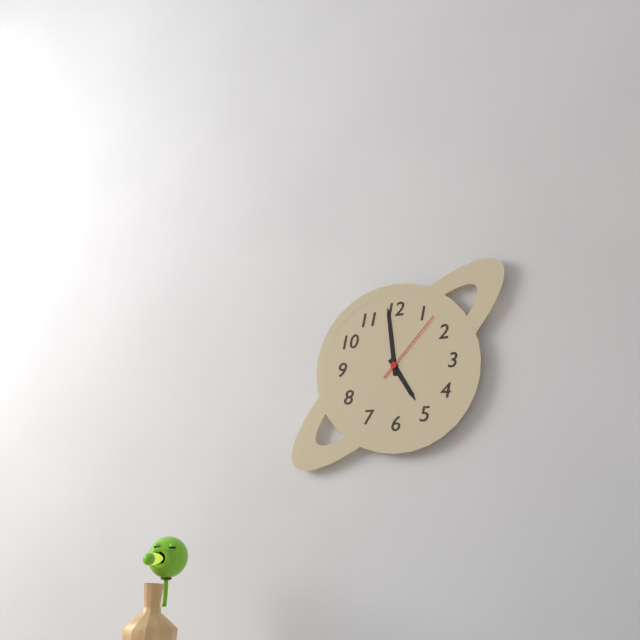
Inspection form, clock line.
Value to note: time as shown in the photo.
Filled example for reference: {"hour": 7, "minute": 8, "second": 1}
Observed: {"hour": 4, "minute": 59, "second": 7}
